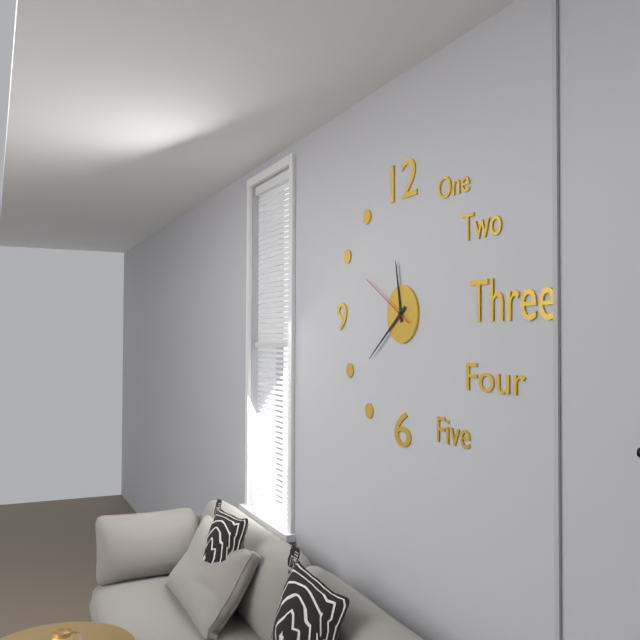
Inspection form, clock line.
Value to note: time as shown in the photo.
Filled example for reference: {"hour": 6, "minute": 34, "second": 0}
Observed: {"hour": 11, "minute": 39, "second": 50}
